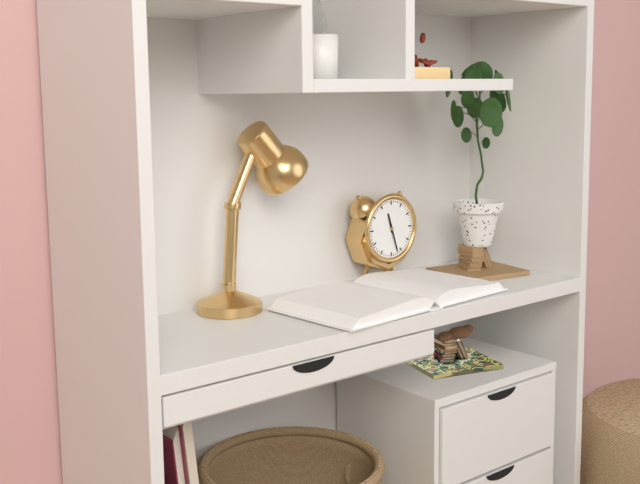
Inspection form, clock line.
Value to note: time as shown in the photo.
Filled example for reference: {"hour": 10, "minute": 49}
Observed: {"hour": 11, "minute": 27}
